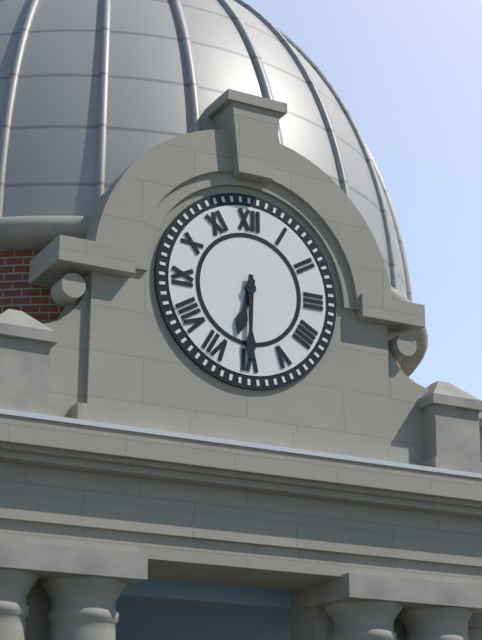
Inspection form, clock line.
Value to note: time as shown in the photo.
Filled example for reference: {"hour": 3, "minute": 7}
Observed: {"hour": 6, "minute": 30}
